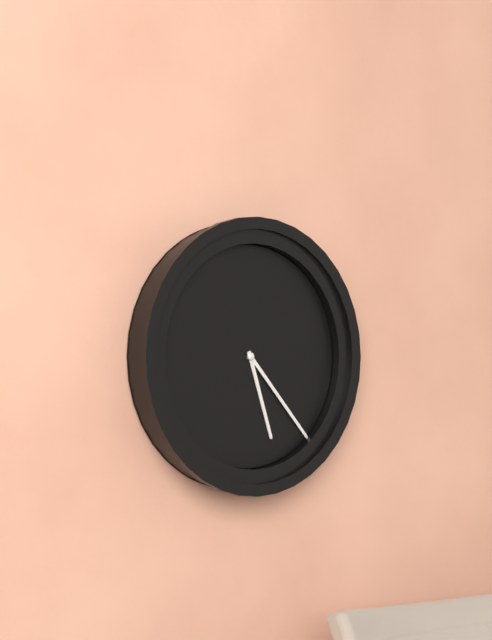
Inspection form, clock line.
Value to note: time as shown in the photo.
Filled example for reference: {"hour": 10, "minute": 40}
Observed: {"hour": 5, "minute": 23}
